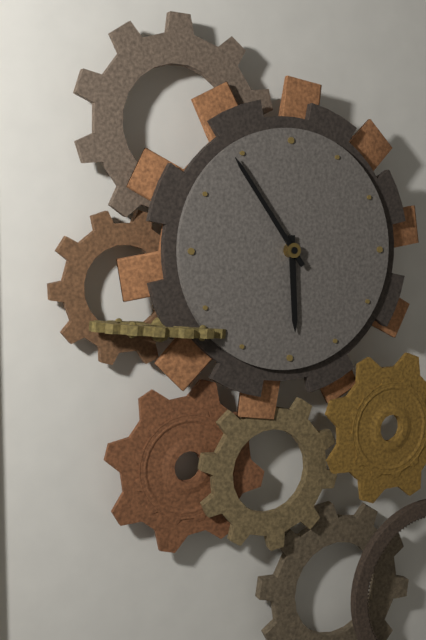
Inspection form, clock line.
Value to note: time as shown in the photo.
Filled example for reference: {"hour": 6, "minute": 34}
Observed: {"hour": 5, "minute": 54}
